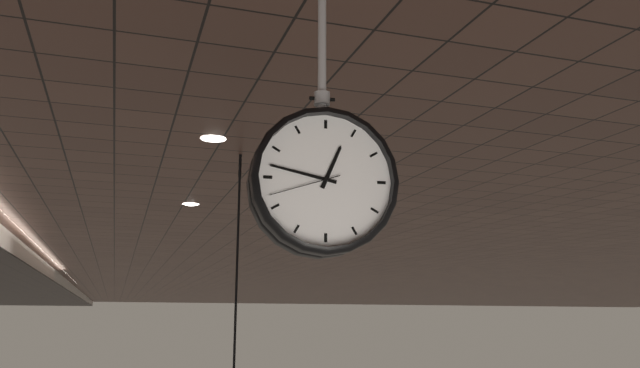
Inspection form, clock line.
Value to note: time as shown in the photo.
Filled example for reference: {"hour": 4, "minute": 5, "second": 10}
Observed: {"hour": 12, "minute": 47, "second": 42}
